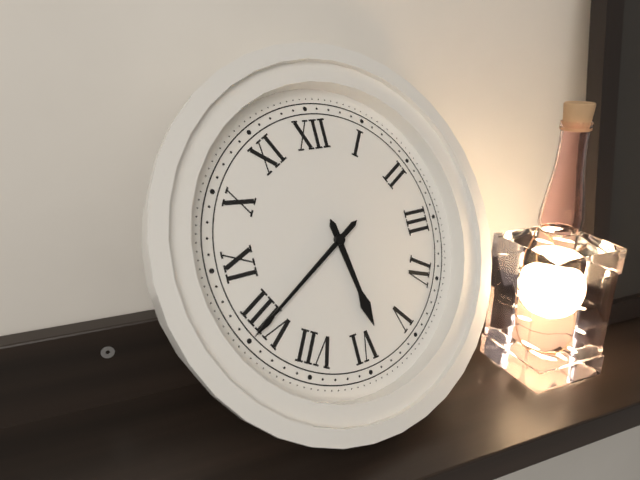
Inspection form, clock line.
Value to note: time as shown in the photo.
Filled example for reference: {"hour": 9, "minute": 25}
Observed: {"hour": 5, "minute": 40}
